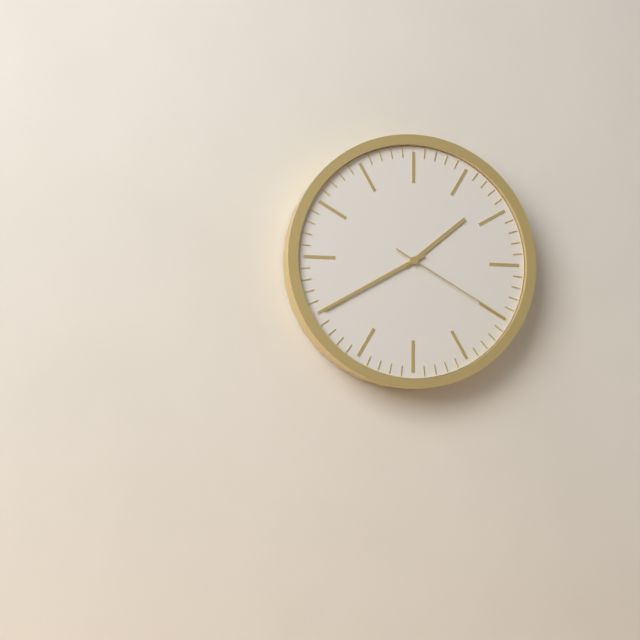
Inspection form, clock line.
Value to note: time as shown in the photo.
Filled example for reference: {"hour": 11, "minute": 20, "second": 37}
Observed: {"hour": 1, "minute": 40, "second": 20}
